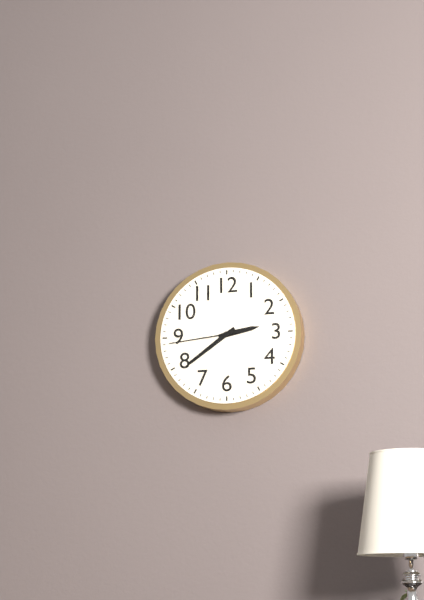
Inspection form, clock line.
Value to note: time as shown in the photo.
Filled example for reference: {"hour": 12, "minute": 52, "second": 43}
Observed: {"hour": 2, "minute": 39, "second": 44}
